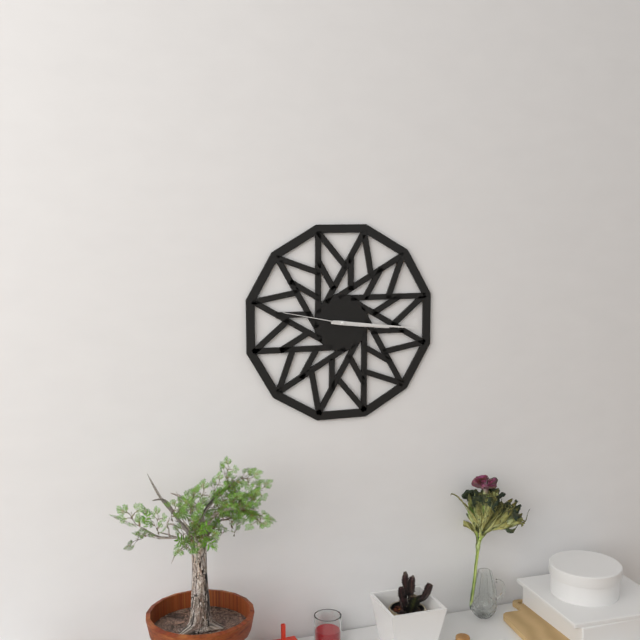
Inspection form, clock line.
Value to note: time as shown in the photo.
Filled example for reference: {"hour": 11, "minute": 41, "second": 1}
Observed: {"hour": 3, "minute": 16, "second": 47}
